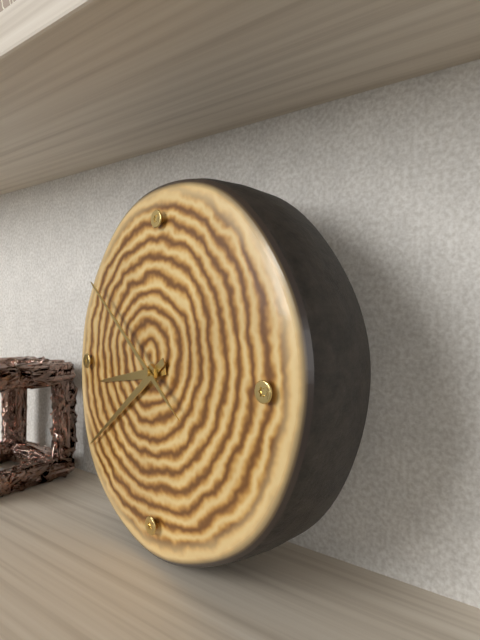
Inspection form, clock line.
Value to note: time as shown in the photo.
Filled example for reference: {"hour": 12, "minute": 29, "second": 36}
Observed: {"hour": 8, "minute": 39, "second": 51}
